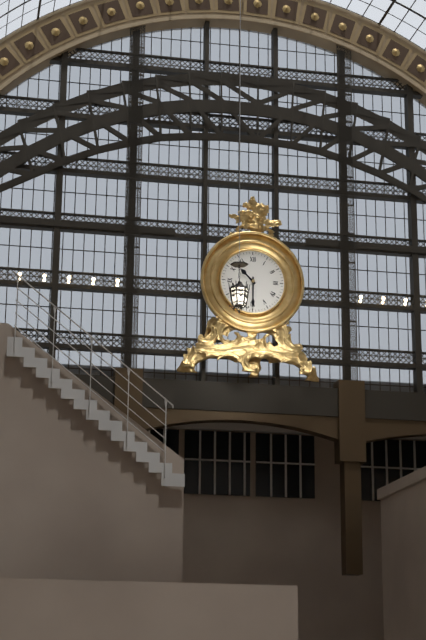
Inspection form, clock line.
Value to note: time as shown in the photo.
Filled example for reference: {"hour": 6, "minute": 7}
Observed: {"hour": 10, "minute": 30}
